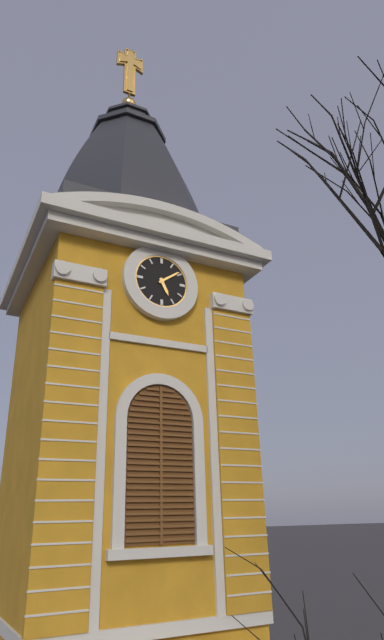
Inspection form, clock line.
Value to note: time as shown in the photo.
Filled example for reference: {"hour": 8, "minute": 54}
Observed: {"hour": 5, "minute": 9}
